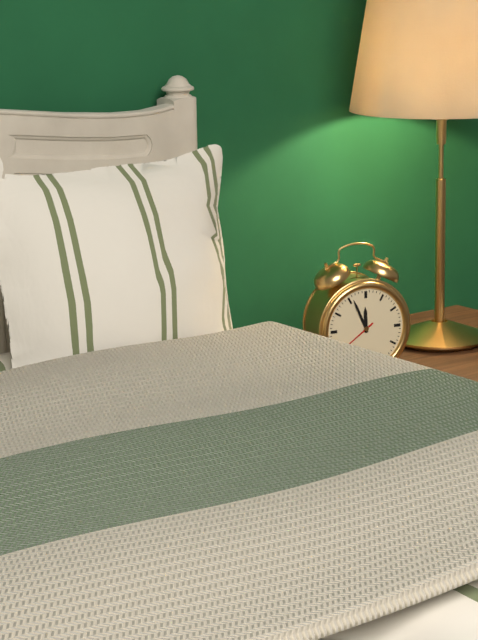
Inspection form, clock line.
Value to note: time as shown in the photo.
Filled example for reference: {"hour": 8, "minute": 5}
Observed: {"hour": 11, "minute": 56}
